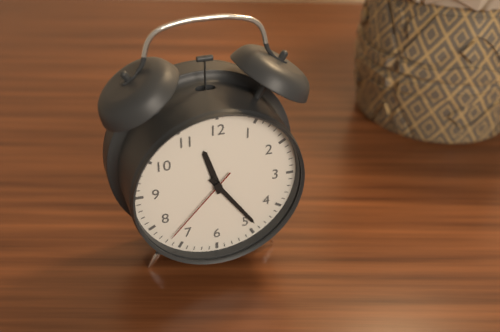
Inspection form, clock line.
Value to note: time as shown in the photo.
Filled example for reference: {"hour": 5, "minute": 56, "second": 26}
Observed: {"hour": 11, "minute": 24, "second": 37}
